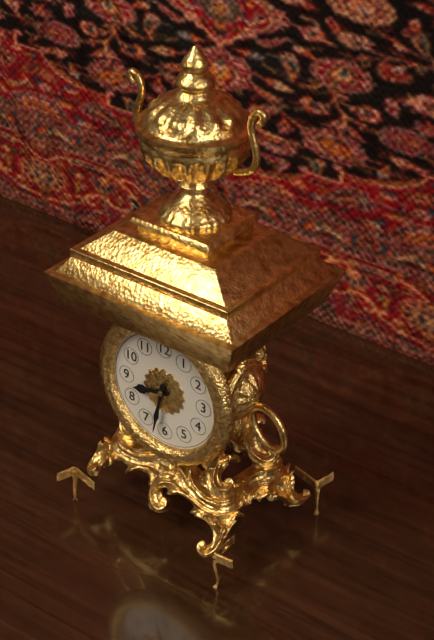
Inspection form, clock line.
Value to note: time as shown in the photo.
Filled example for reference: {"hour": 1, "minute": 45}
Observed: {"hour": 8, "minute": 32}
